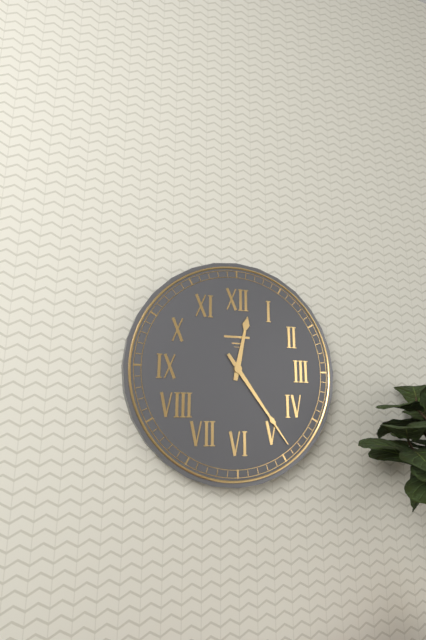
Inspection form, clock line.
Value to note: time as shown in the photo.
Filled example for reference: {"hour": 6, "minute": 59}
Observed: {"hour": 12, "minute": 24}
